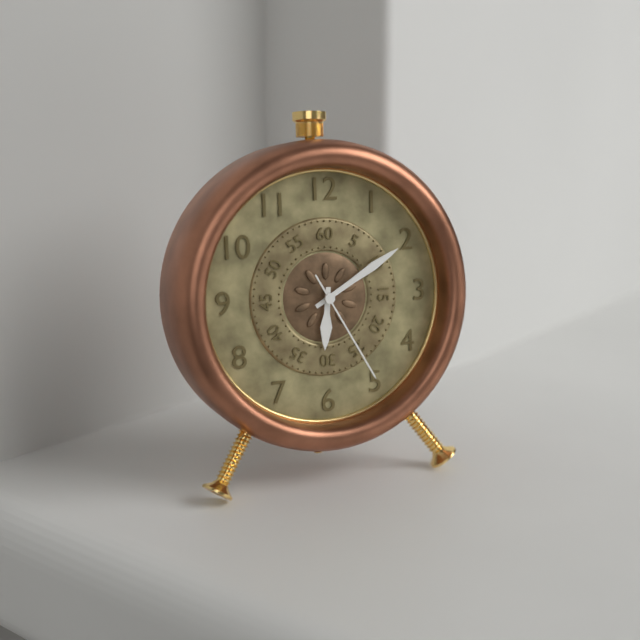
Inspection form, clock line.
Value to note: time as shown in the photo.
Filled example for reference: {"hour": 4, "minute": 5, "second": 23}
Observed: {"hour": 6, "minute": 10, "second": 25}
